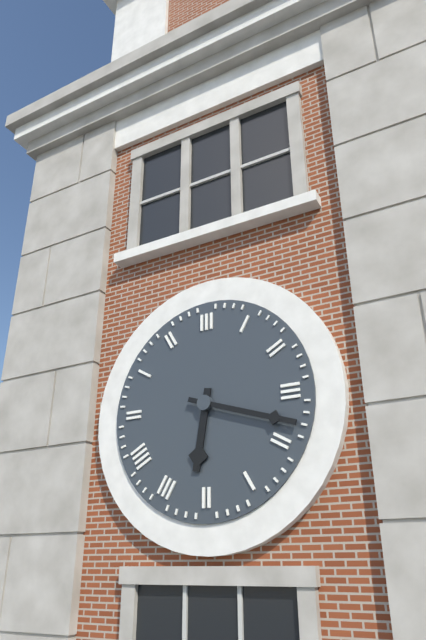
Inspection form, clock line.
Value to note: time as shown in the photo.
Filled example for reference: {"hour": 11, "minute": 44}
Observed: {"hour": 6, "minute": 18}
